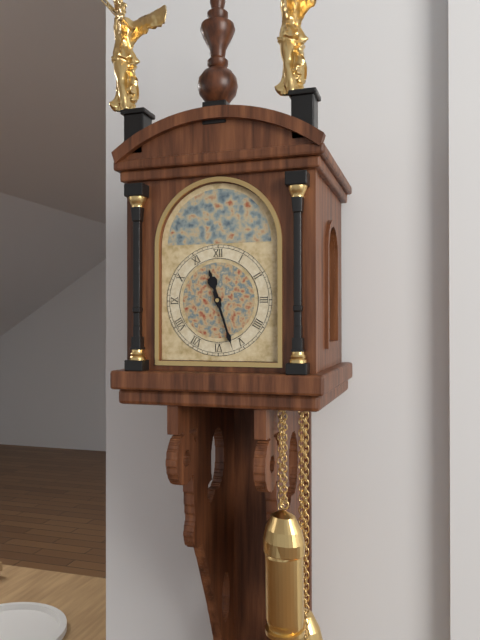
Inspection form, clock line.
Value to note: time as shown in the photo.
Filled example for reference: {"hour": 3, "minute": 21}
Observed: {"hour": 11, "minute": 27}
